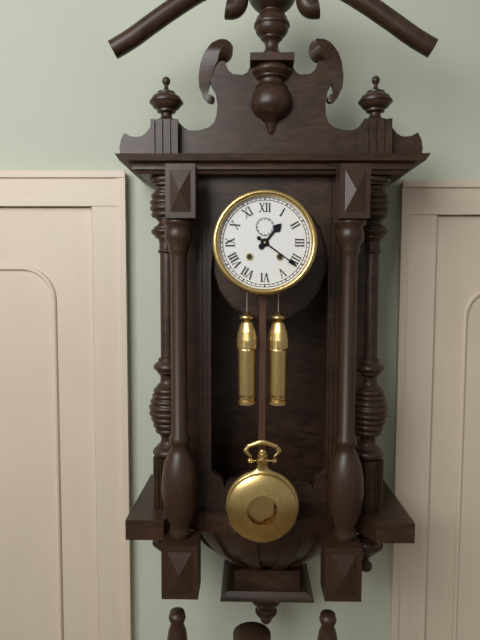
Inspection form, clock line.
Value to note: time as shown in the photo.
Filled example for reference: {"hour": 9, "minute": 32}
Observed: {"hour": 1, "minute": 21}
